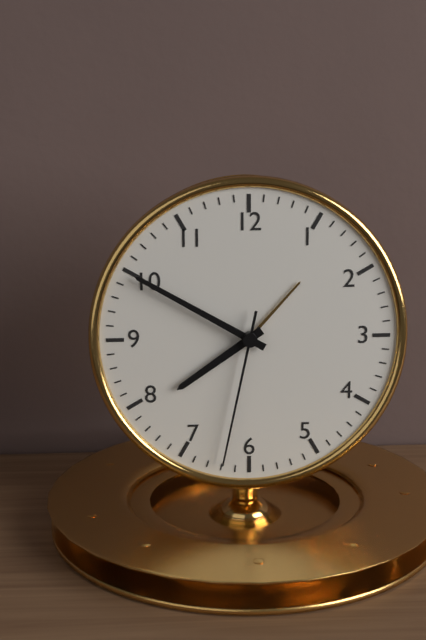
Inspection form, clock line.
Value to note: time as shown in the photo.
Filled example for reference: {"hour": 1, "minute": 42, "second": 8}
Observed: {"hour": 7, "minute": 50, "second": 32}
